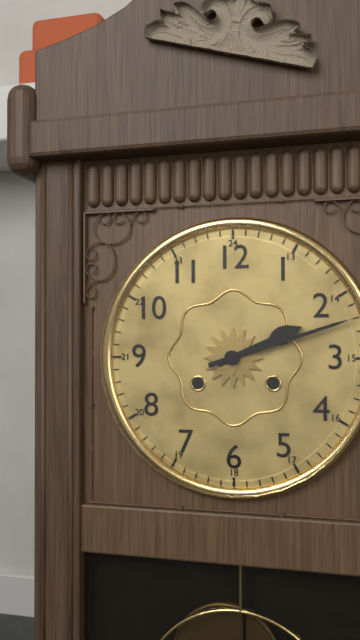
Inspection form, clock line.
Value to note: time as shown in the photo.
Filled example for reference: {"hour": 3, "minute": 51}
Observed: {"hour": 2, "minute": 12}
